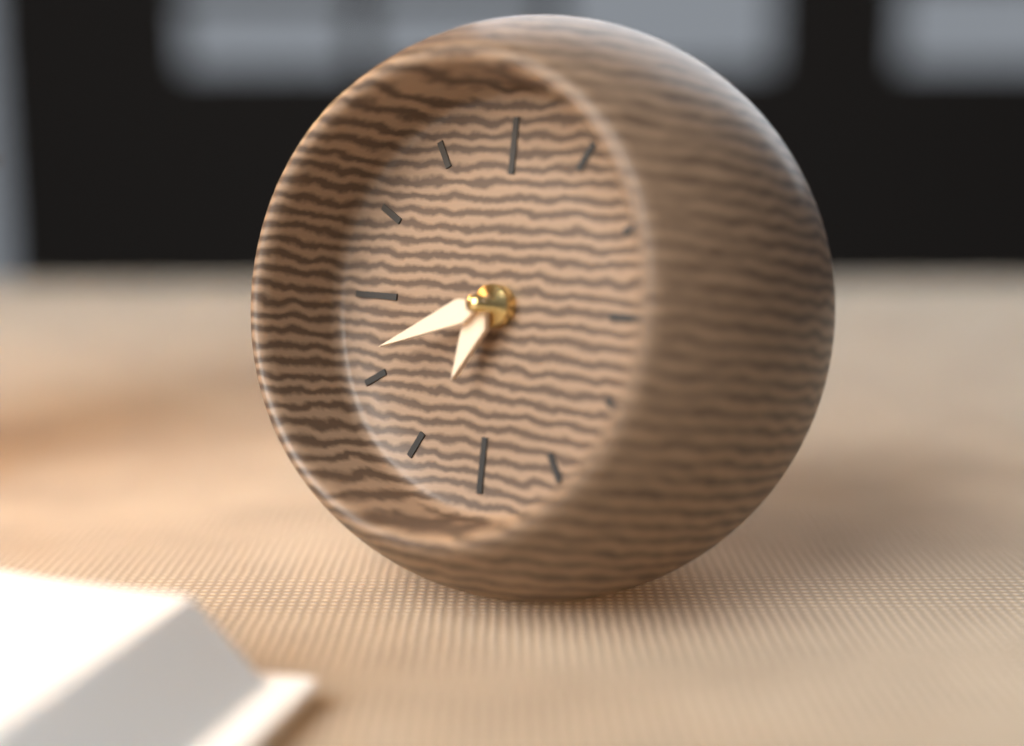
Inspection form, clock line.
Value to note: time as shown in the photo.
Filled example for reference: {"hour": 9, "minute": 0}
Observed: {"hour": 6, "minute": 41}
